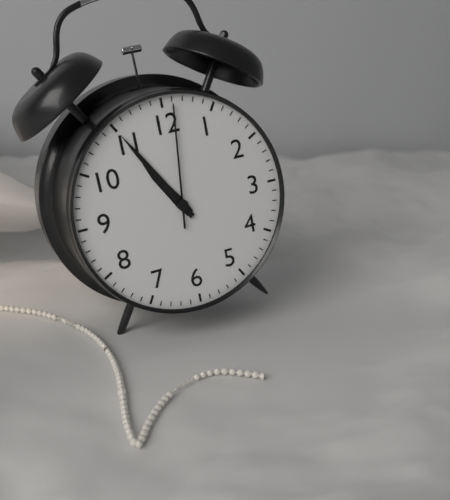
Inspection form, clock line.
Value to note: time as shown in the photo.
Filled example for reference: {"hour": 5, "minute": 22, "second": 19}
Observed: {"hour": 10, "minute": 55, "second": 1}
